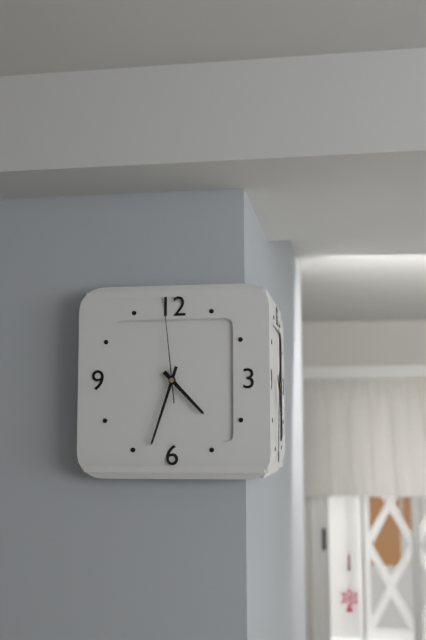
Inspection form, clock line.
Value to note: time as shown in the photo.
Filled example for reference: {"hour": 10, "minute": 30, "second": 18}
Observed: {"hour": 4, "minute": 33, "second": 59}
